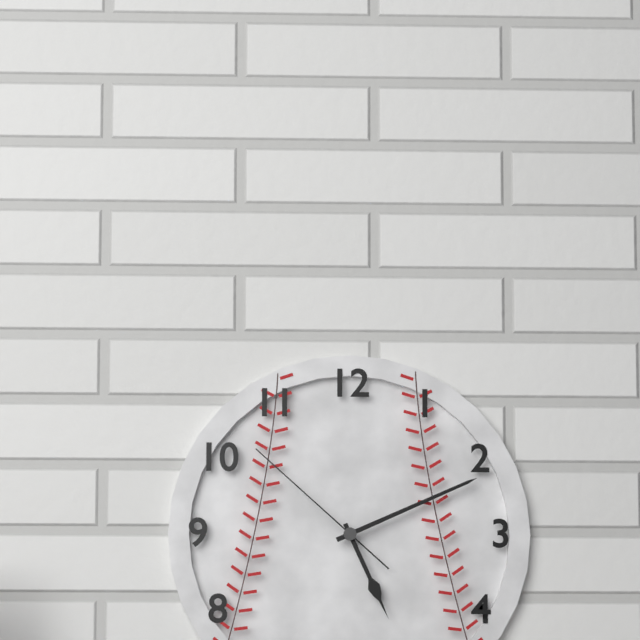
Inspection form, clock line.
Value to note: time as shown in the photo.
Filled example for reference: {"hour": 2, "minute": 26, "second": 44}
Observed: {"hour": 5, "minute": 11, "second": 52}
